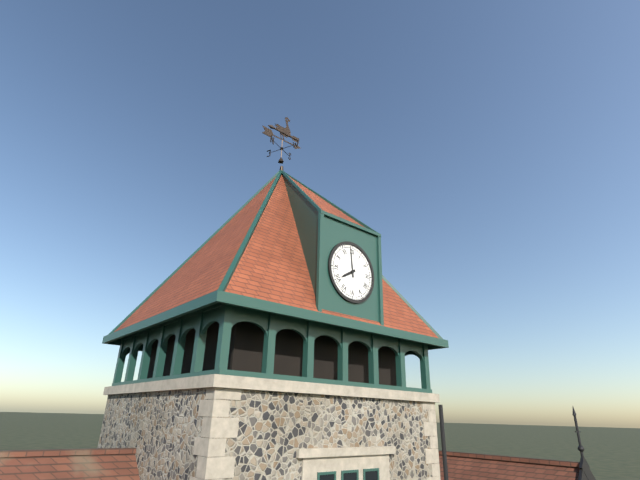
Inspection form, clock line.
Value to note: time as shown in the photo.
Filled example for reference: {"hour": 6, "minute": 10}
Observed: {"hour": 7, "minute": 59}
